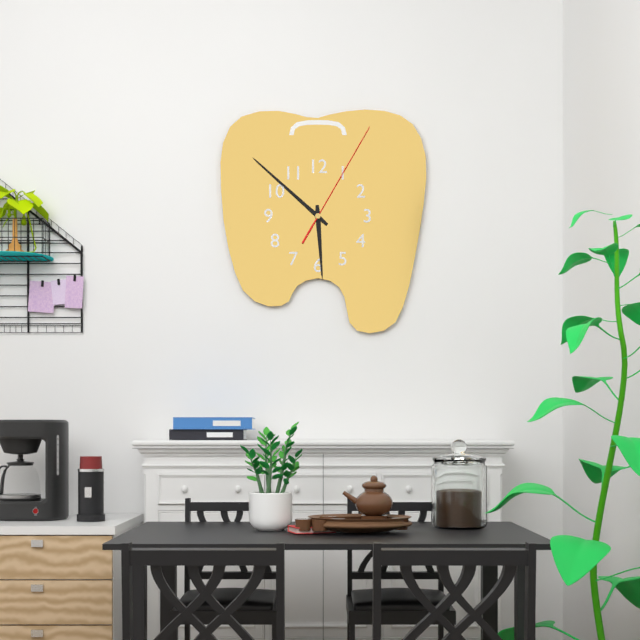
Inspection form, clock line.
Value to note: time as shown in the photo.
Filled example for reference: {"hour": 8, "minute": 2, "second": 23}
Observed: {"hour": 5, "minute": 52, "second": 5}
